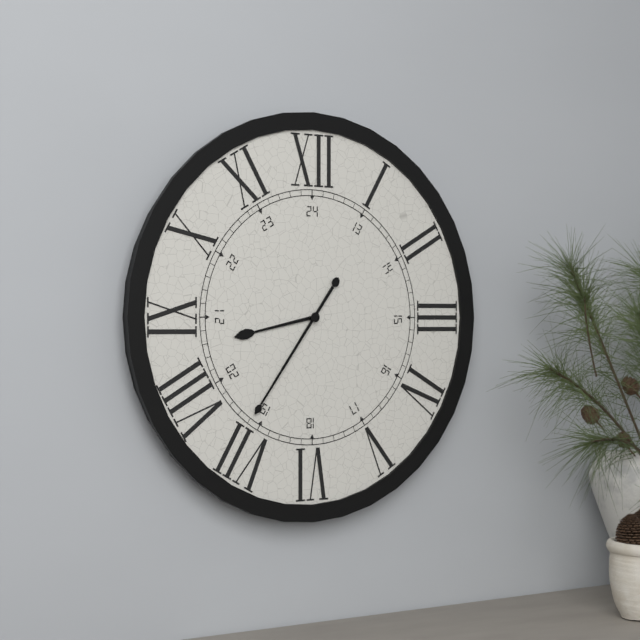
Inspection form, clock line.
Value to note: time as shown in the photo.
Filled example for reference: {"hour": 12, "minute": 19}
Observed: {"hour": 8, "minute": 36}
